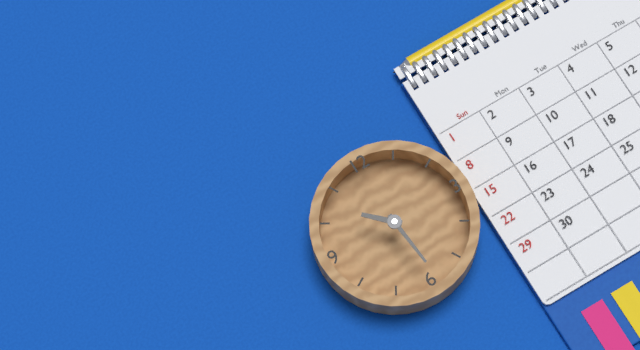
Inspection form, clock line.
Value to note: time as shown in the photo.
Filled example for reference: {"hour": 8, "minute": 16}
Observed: {"hour": 10, "minute": 29}
